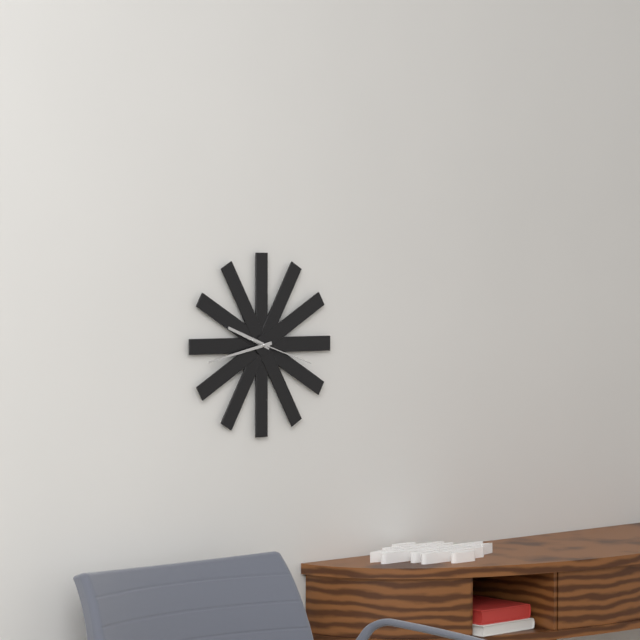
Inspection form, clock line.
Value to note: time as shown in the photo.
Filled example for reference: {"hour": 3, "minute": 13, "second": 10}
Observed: {"hour": 9, "minute": 43, "second": 18}
